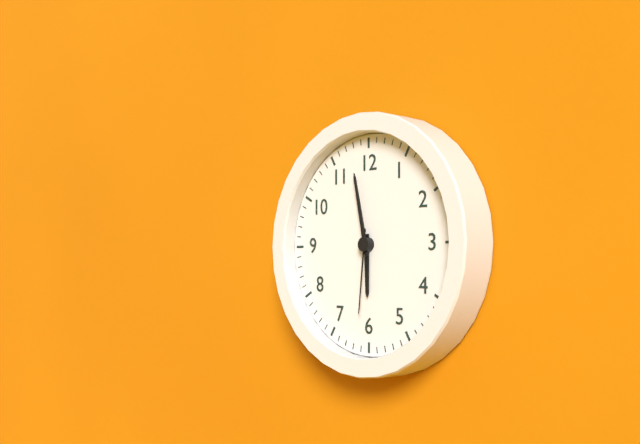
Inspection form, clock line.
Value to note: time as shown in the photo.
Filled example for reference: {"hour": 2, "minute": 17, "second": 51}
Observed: {"hour": 5, "minute": 58, "second": 31}
